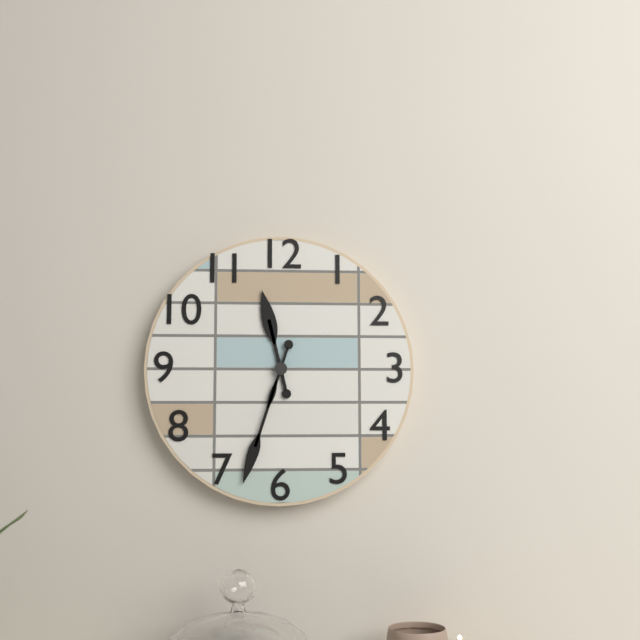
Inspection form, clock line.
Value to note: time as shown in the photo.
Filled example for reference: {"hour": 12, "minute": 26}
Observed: {"hour": 11, "minute": 33}
